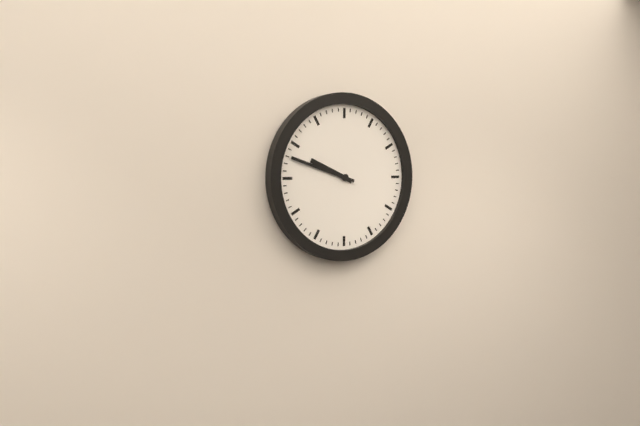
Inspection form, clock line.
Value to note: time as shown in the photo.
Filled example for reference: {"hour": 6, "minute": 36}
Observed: {"hour": 9, "minute": 48}
